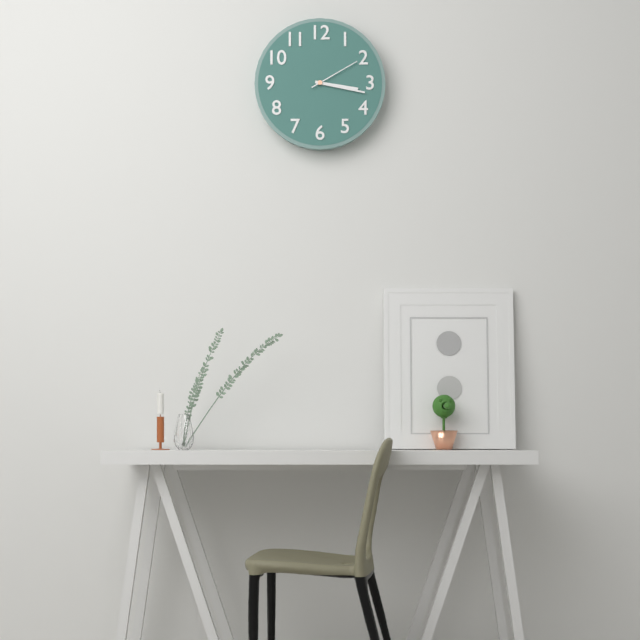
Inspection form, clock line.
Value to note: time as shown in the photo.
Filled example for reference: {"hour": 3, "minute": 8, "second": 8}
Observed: {"hour": 3, "minute": 17, "second": 10}
